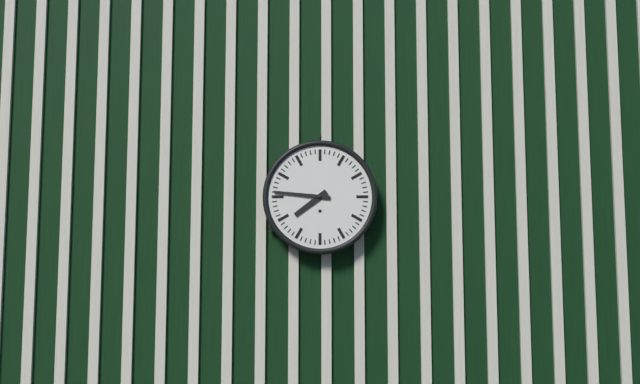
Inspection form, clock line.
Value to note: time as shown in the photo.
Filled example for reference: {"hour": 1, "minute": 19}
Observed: {"hour": 7, "minute": 46}
